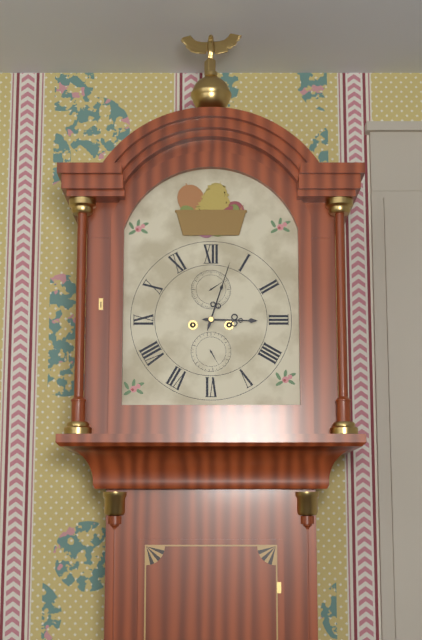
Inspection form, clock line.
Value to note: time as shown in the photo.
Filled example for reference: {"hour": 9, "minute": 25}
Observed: {"hour": 3, "minute": 3}
